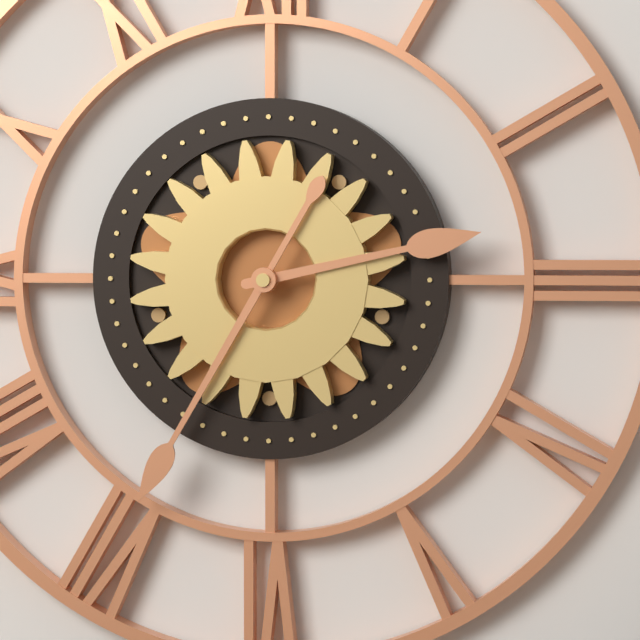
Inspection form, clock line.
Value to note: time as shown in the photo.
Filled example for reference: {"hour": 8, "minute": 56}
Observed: {"hour": 2, "minute": 35}
